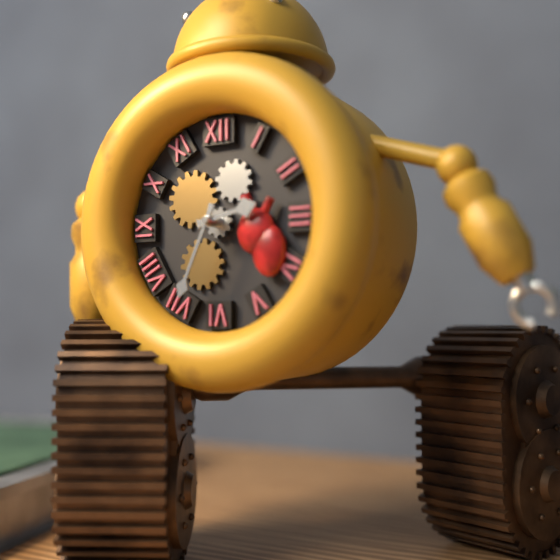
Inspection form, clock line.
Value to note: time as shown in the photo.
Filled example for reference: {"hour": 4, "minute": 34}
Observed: {"hour": 2, "minute": 34}
